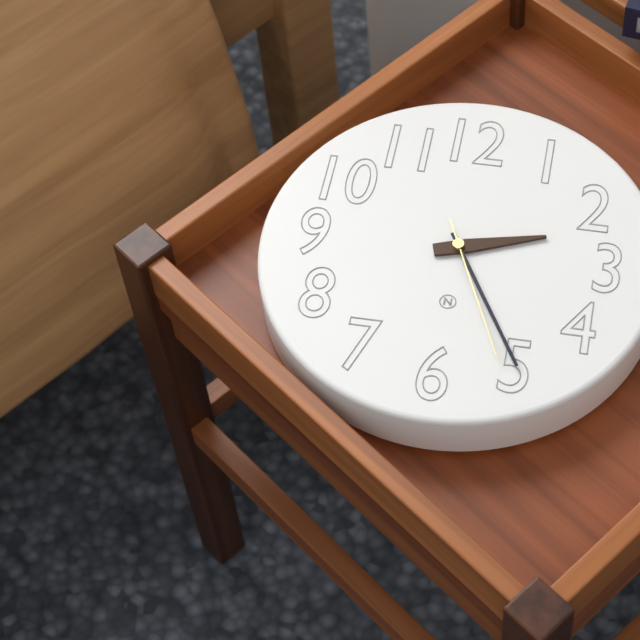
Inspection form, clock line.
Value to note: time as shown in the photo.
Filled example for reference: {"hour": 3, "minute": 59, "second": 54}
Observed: {"hour": 2, "minute": 25, "second": 26}
